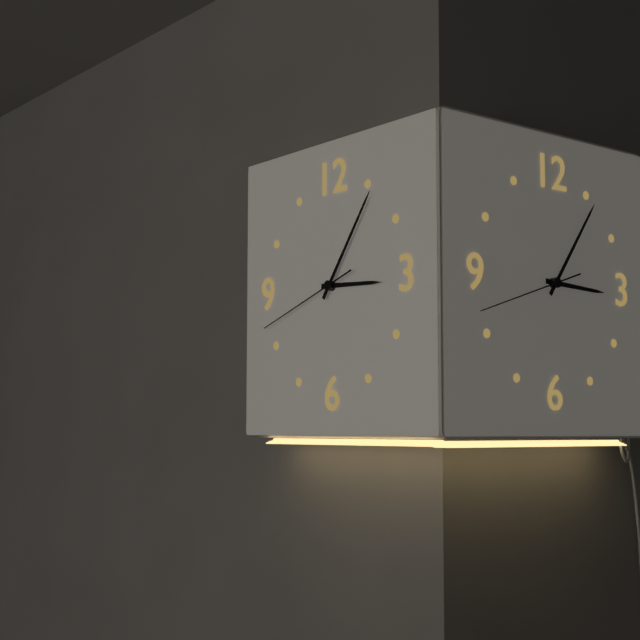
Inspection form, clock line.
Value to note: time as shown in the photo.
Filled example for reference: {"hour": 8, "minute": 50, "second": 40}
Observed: {"hour": 3, "minute": 6, "second": 42}
